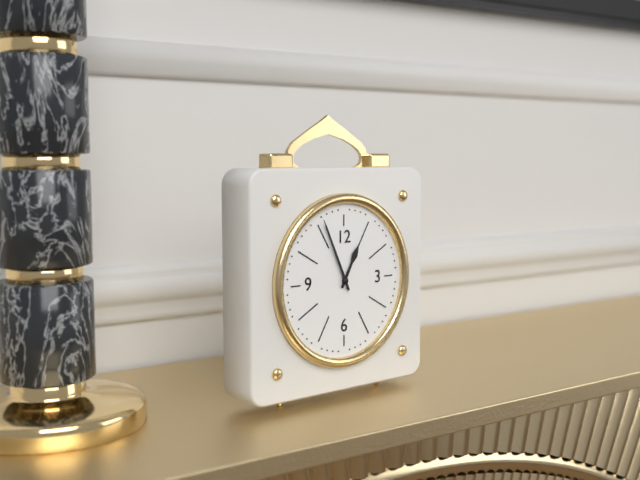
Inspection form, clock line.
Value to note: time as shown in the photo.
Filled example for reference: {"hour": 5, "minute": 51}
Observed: {"hour": 12, "minute": 56}
